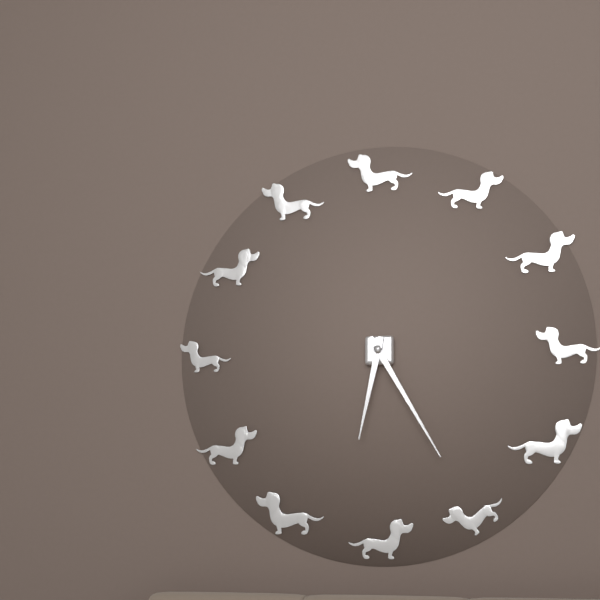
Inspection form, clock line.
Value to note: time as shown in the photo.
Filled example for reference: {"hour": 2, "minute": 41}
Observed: {"hour": 6, "minute": 25}
